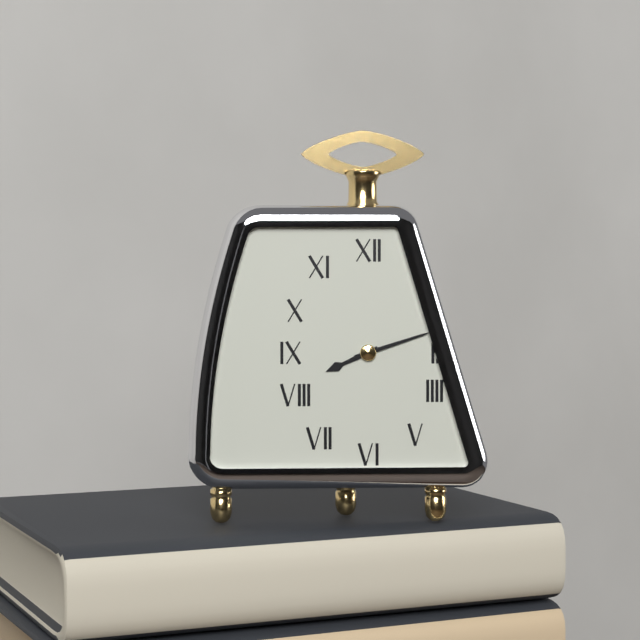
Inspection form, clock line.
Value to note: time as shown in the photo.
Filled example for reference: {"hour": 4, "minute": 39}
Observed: {"hour": 8, "minute": 12}
